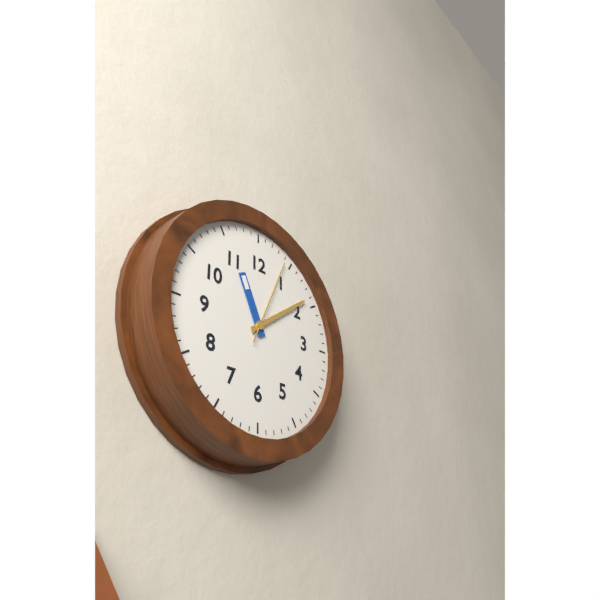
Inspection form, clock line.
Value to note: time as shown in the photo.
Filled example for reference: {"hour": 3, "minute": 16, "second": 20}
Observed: {"hour": 11, "minute": 9, "second": 4}
